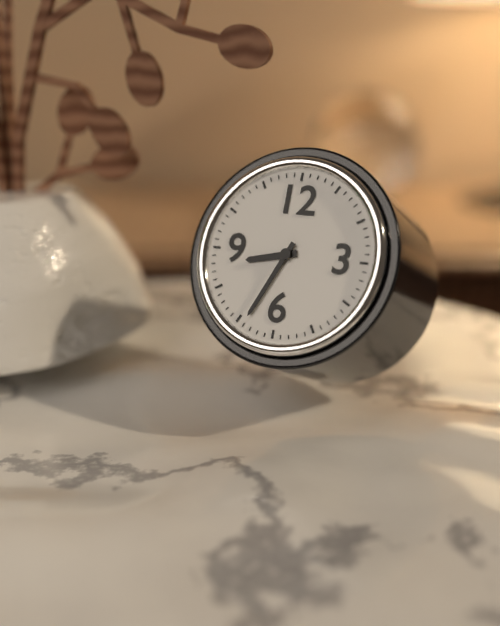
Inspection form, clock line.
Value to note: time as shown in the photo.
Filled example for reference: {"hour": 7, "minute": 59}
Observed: {"hour": 8, "minute": 34}
